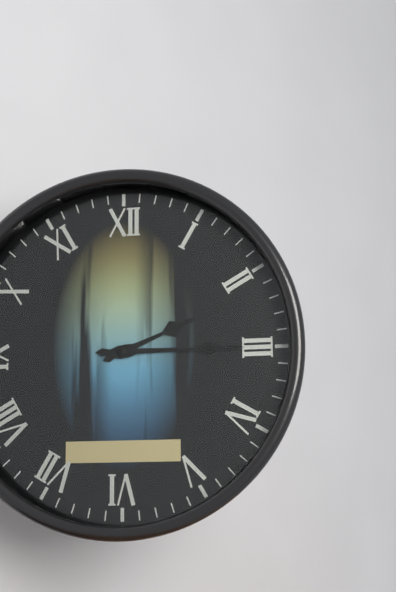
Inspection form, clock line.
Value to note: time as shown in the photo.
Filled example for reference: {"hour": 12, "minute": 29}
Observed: {"hour": 2, "minute": 15}
